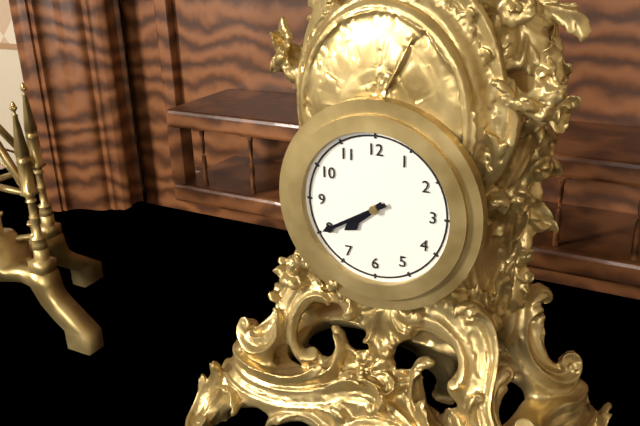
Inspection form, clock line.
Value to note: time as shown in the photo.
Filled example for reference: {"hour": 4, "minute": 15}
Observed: {"hour": 7, "minute": 40}
